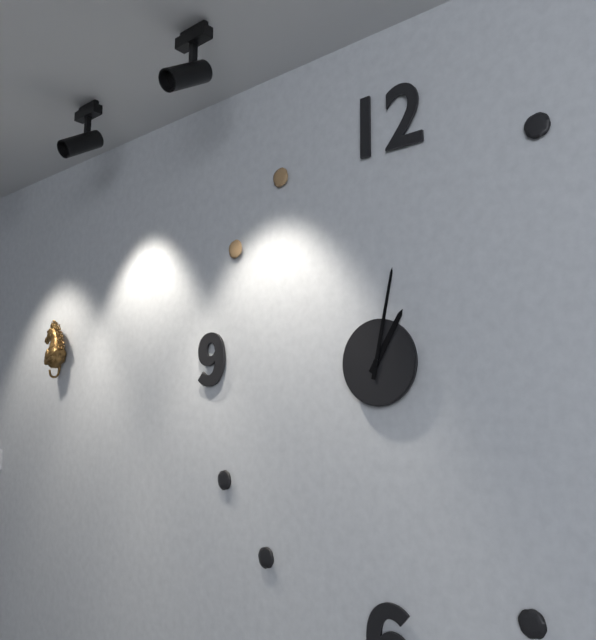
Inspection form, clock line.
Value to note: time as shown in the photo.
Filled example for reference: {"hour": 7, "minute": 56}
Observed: {"hour": 1, "minute": 2}
